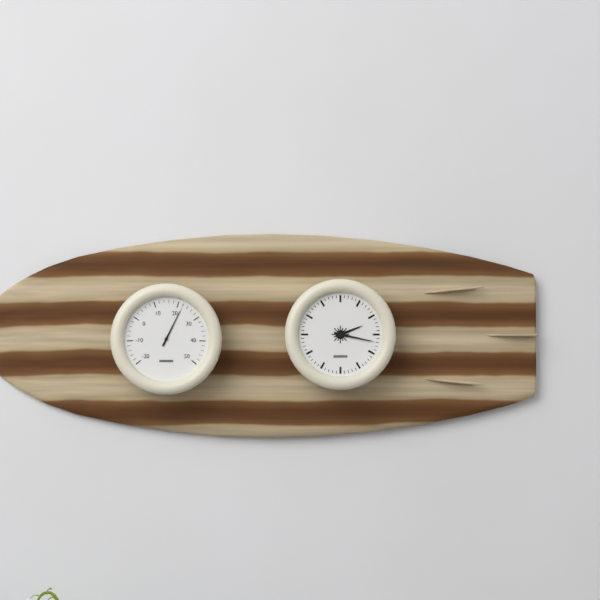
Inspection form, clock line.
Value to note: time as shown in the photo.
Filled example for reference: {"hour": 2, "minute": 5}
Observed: {"hour": 2, "minute": 17}
